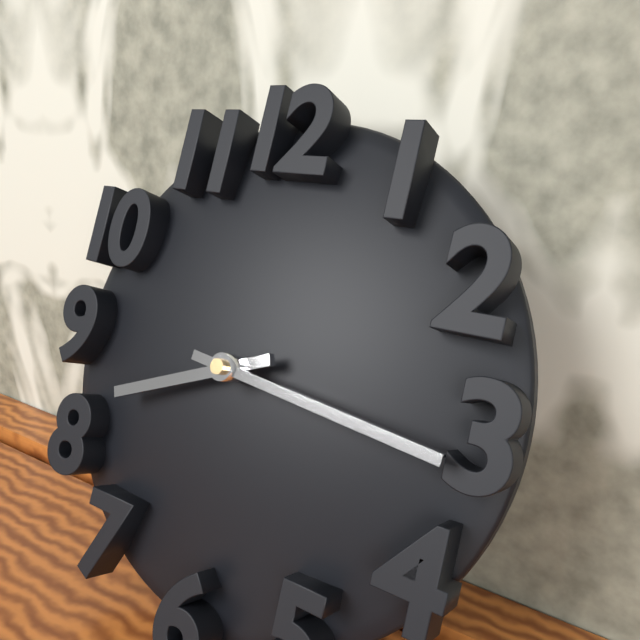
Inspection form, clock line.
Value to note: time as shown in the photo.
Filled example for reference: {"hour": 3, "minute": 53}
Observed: {"hour": 8, "minute": 16}
